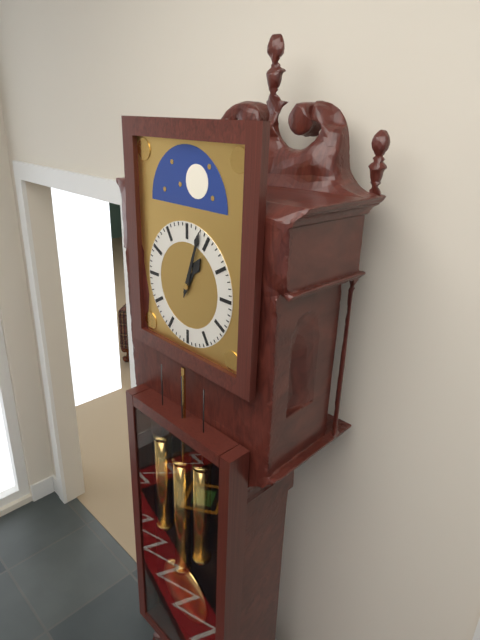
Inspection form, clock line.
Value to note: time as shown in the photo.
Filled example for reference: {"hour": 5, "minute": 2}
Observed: {"hour": 1, "minute": 3}
